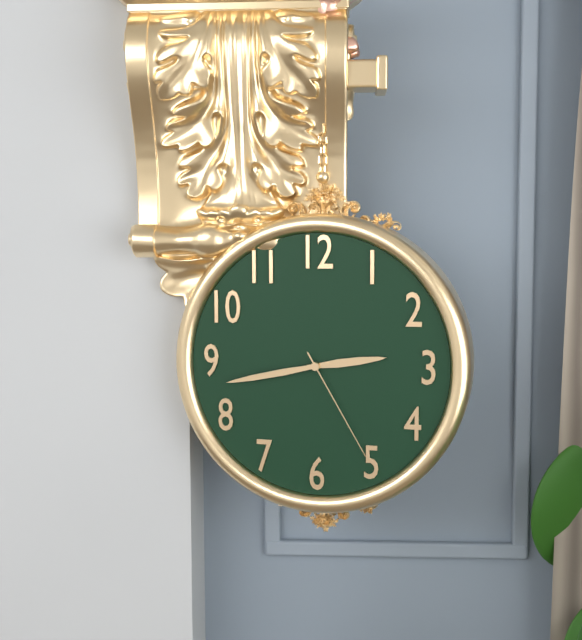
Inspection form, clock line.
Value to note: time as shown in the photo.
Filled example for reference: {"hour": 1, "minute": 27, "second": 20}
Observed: {"hour": 2, "minute": 43, "second": 25}
